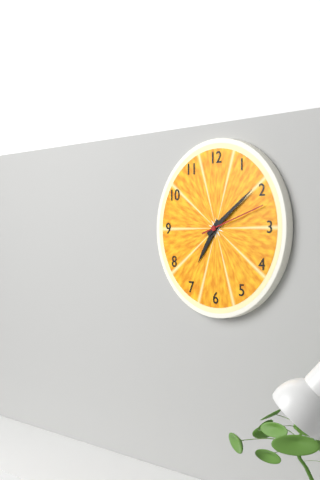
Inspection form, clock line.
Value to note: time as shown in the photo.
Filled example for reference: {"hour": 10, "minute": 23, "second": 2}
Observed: {"hour": 7, "minute": 9, "second": 12}
